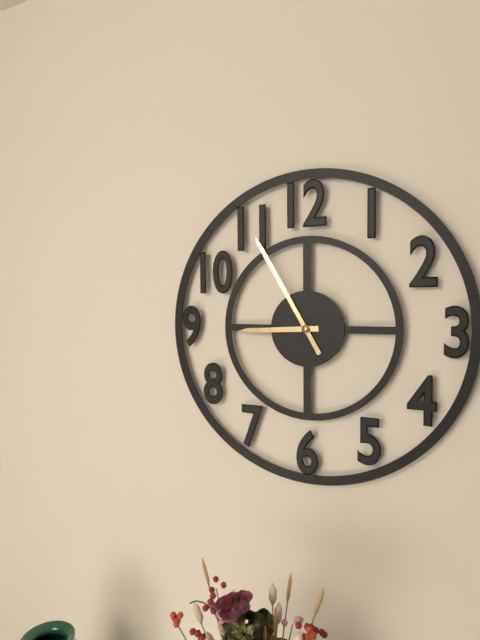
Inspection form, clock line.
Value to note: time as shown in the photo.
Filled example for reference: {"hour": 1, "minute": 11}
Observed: {"hour": 8, "minute": 55}
